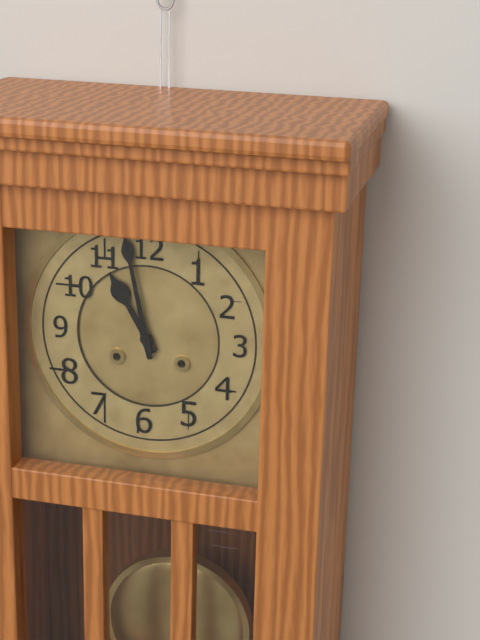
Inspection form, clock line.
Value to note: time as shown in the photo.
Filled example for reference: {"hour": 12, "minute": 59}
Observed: {"hour": 10, "minute": 58}
